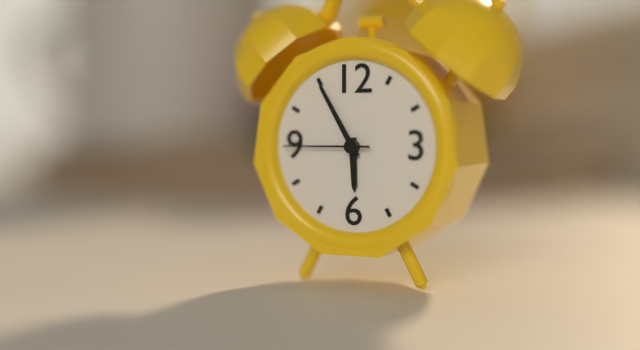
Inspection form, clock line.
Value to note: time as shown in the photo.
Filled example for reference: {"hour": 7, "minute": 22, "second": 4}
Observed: {"hour": 5, "minute": 55, "second": 45}
